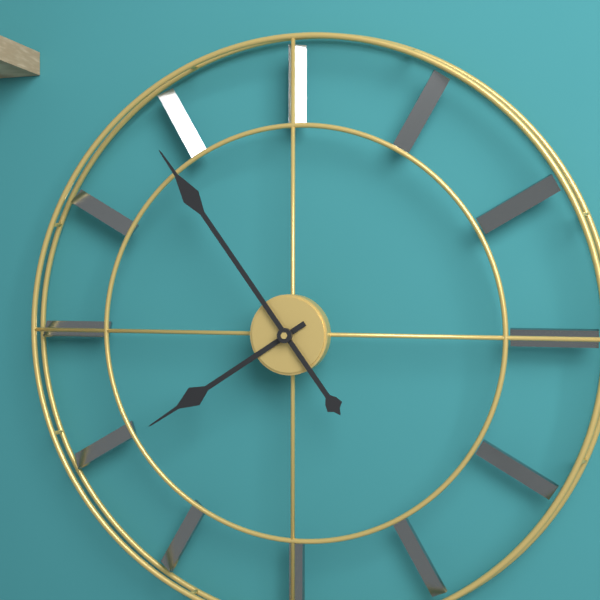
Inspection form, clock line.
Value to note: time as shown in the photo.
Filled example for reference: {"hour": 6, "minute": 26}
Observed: {"hour": 7, "minute": 54}
